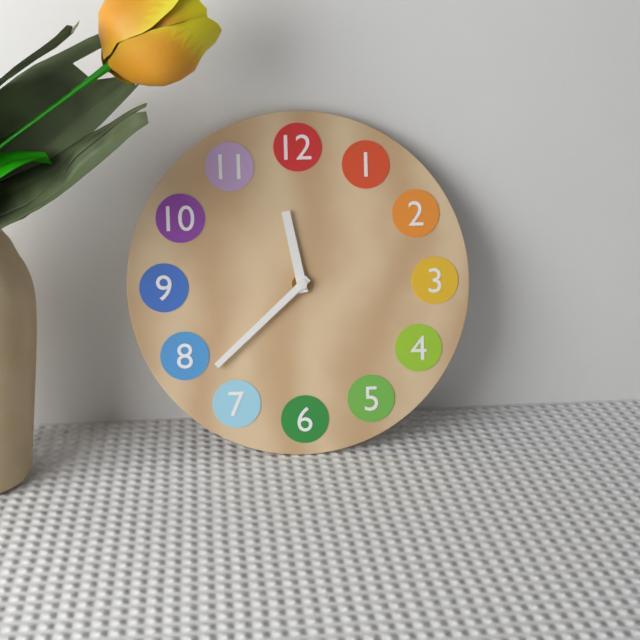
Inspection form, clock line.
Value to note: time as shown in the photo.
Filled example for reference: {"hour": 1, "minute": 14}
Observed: {"hour": 11, "minute": 38}
